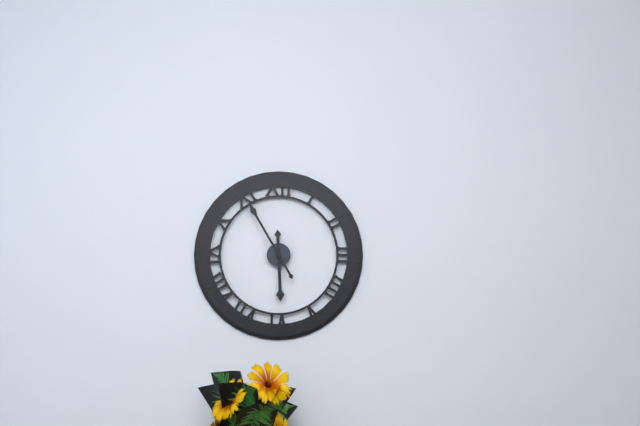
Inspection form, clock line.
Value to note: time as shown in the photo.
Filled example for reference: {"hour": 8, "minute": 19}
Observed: {"hour": 5, "minute": 55}
